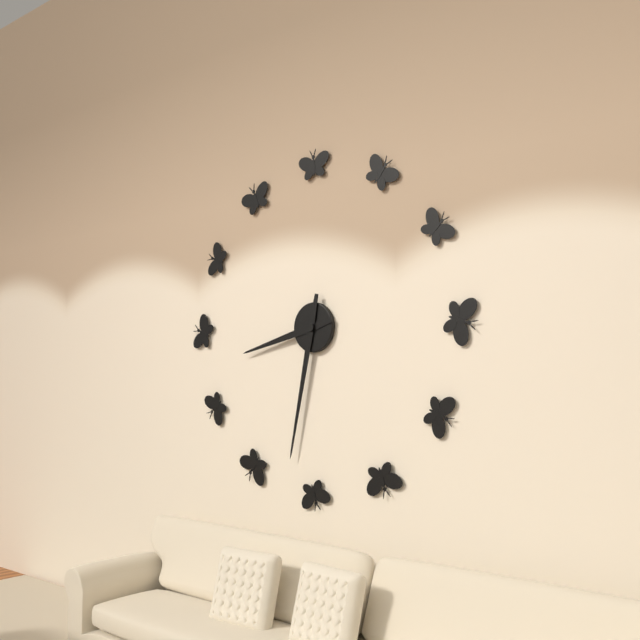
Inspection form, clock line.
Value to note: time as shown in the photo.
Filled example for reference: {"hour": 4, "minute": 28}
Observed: {"hour": 8, "minute": 32}
